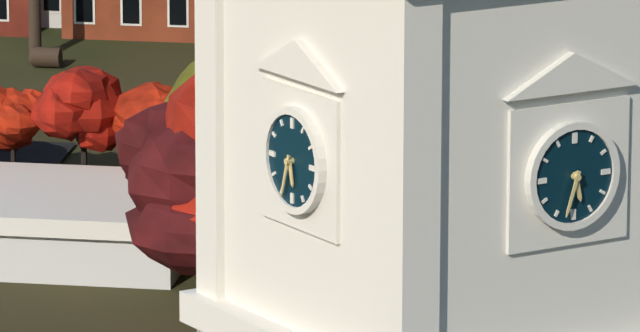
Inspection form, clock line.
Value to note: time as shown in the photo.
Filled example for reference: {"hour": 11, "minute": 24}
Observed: {"hour": 5, "minute": 33}
